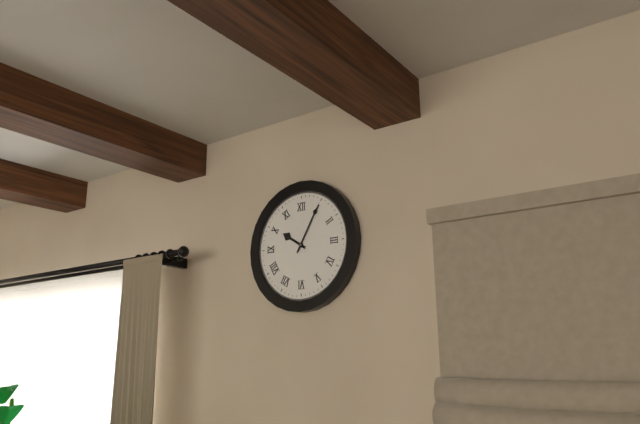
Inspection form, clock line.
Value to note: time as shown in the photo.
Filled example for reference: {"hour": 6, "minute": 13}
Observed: {"hour": 10, "minute": 5}
